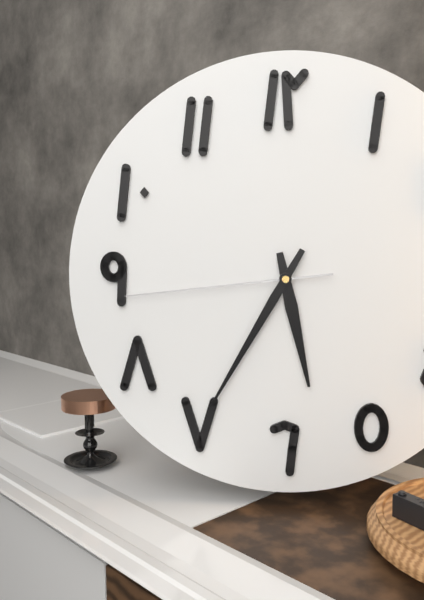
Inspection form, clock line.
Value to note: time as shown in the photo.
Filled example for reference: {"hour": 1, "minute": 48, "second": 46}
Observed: {"hour": 5, "minute": 35, "second": 44}
